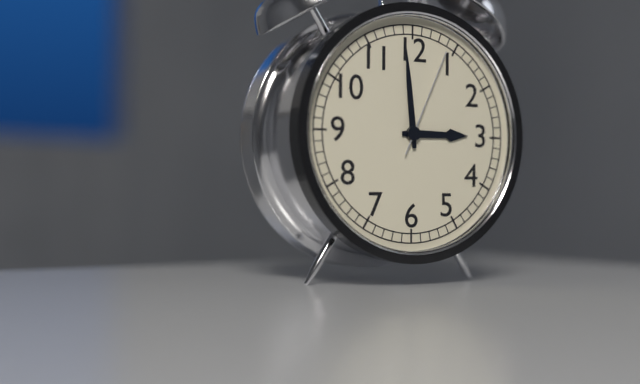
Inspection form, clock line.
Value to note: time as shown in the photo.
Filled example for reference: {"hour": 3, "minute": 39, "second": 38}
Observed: {"hour": 2, "minute": 59, "second": 4}
